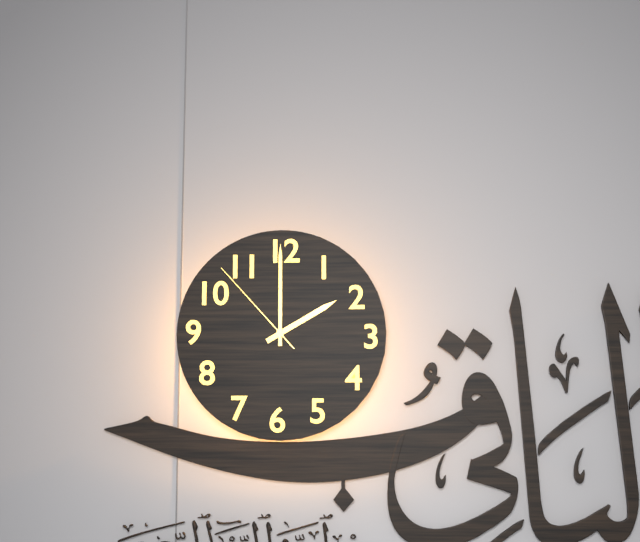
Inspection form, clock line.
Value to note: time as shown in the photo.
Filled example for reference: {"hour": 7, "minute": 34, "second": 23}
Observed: {"hour": 2, "minute": 0, "second": 53}
